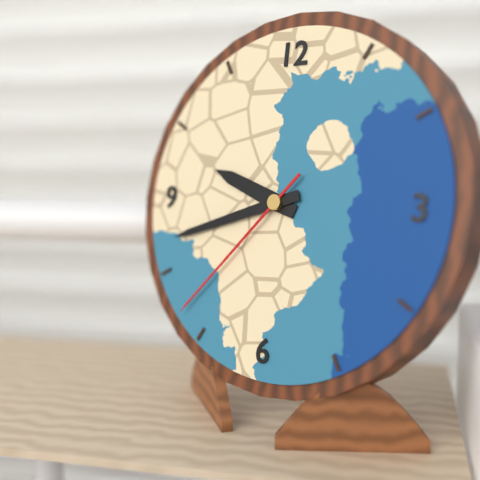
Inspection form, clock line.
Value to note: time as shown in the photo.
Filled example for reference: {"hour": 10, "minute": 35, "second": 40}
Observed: {"hour": 9, "minute": 42, "second": 37}
